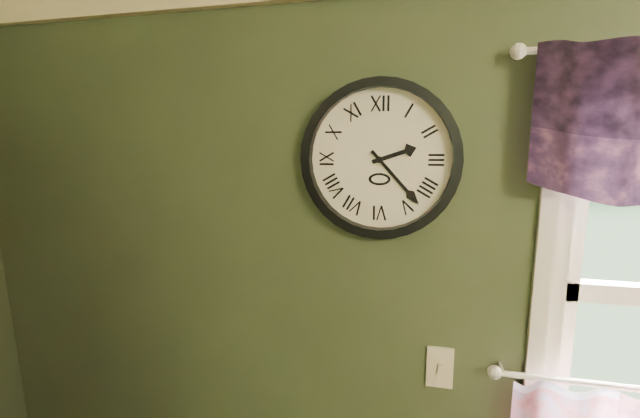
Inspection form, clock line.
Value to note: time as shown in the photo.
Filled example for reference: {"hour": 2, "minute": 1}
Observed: {"hour": 2, "minute": 23}
